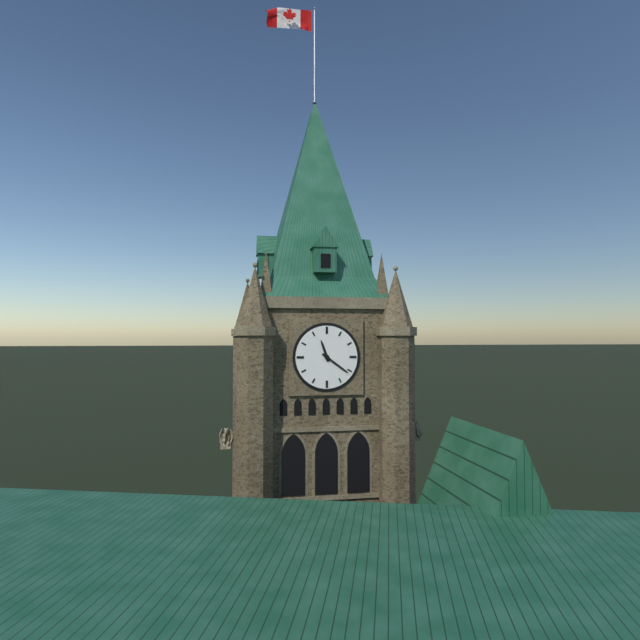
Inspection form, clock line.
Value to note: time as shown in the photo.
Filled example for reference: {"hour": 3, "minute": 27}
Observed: {"hour": 11, "minute": 21}
